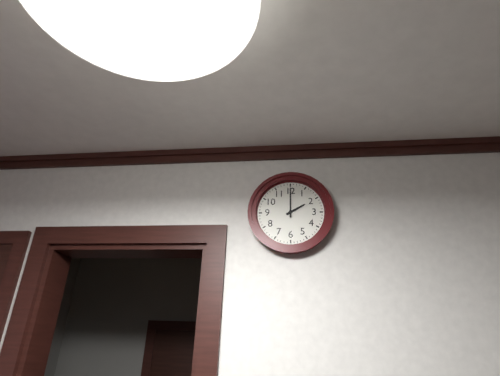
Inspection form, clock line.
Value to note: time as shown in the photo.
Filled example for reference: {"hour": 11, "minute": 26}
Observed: {"hour": 2, "minute": 0}
